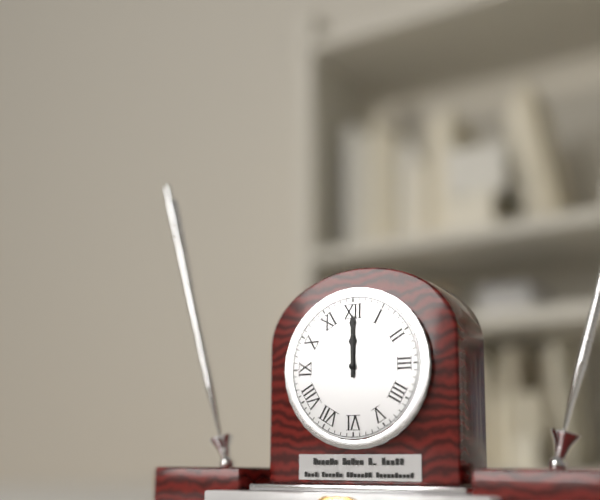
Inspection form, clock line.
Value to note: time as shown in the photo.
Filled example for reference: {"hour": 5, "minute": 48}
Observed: {"hour": 12, "minute": 0}
